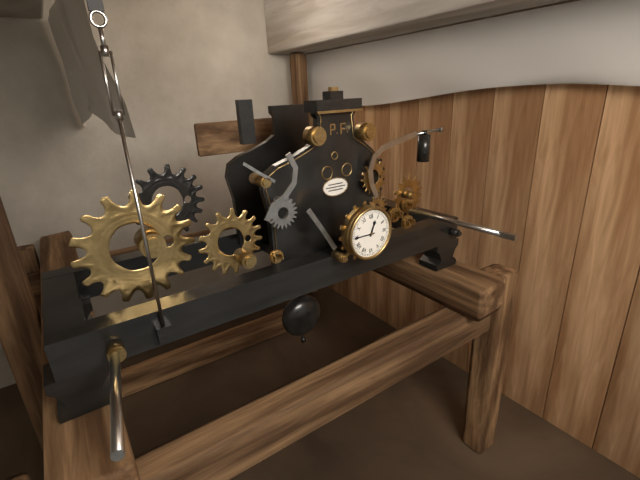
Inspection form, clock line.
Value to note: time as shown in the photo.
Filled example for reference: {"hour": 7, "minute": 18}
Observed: {"hour": 12, "minute": 45}
